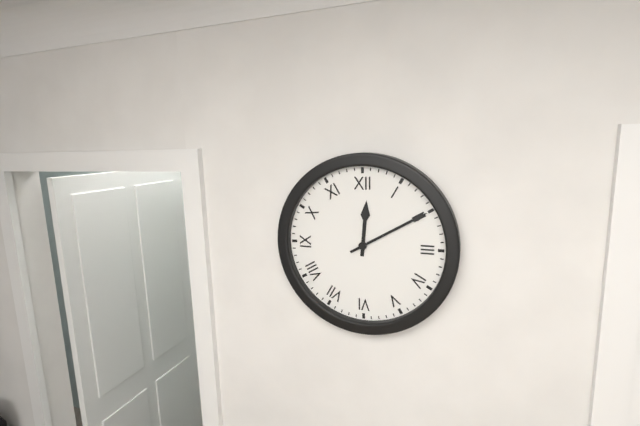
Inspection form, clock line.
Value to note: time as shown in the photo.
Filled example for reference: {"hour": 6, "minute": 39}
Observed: {"hour": 12, "minute": 10}
